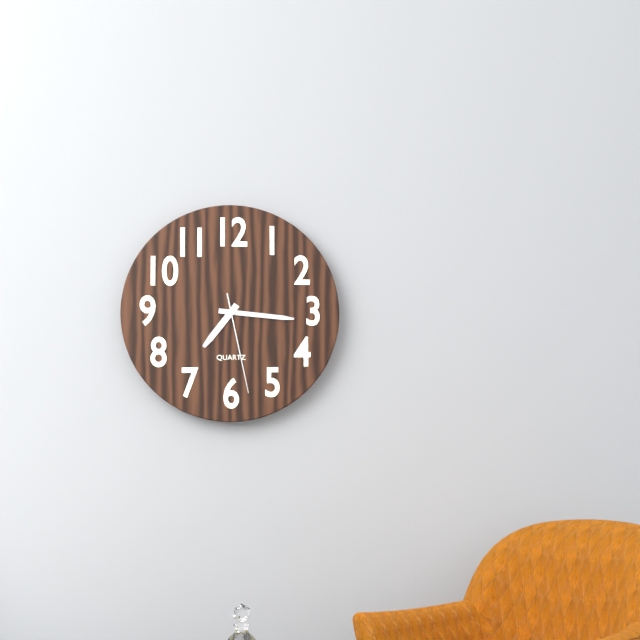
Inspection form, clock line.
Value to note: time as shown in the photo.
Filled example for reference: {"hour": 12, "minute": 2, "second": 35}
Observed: {"hour": 7, "minute": 16, "second": 28}
